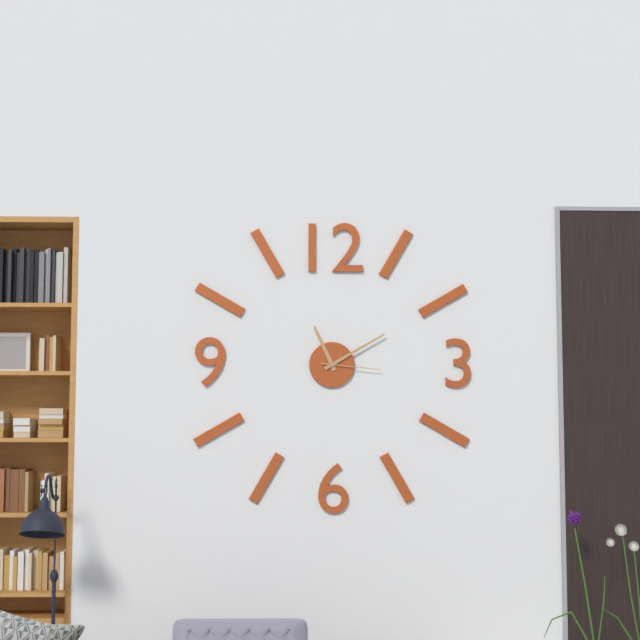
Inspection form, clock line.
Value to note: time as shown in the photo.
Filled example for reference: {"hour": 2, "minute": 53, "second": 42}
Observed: {"hour": 11, "minute": 10, "second": 16}
